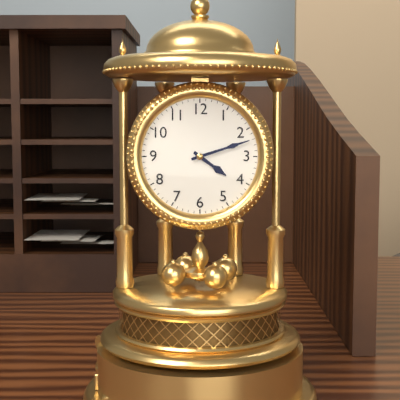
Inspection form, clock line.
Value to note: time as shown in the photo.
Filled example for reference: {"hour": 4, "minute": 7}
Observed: {"hour": 4, "minute": 12}
